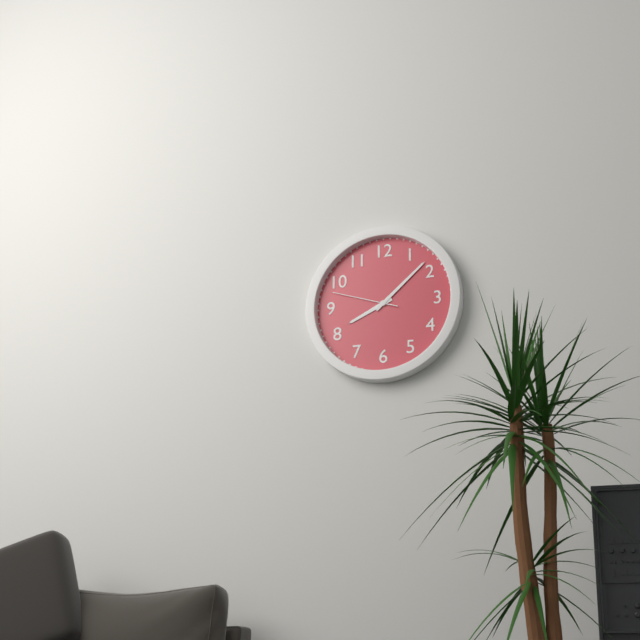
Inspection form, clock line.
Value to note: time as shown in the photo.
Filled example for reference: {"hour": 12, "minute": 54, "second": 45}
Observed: {"hour": 8, "minute": 8, "second": 48}
